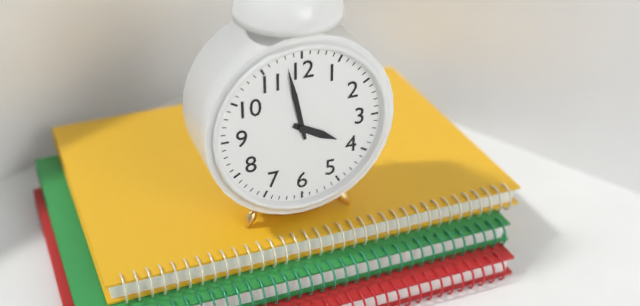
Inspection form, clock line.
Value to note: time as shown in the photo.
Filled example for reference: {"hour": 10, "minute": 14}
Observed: {"hour": 3, "minute": 58}
